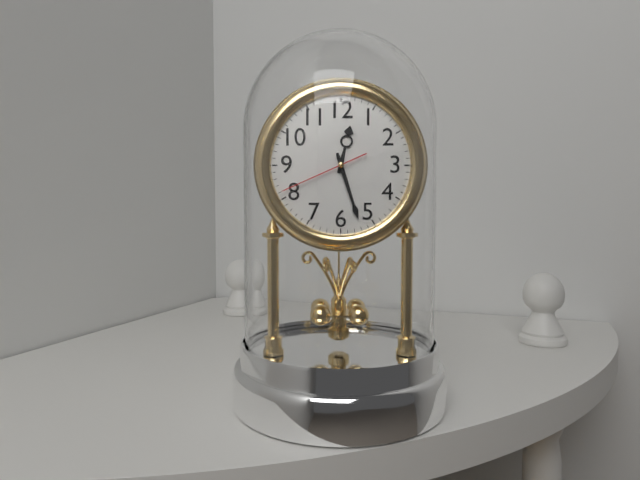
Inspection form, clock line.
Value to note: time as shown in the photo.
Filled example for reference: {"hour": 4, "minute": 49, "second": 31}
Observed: {"hour": 12, "minute": 27, "second": 41}
